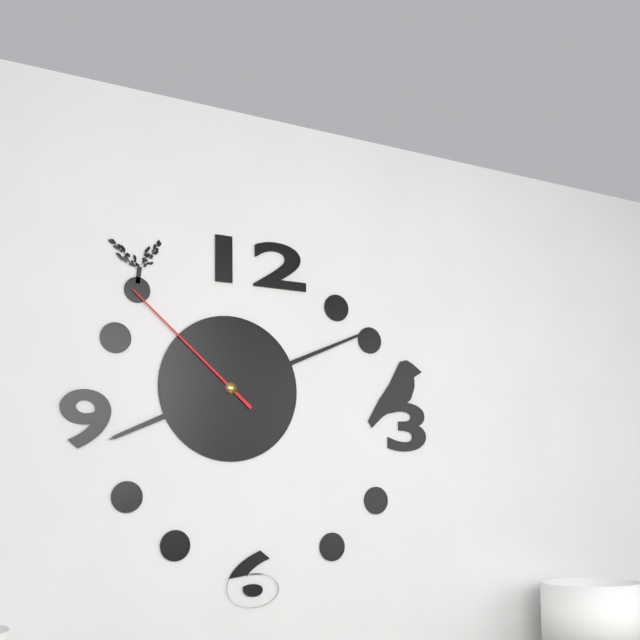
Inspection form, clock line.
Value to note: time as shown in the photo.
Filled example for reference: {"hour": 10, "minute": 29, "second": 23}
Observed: {"hour": 8, "minute": 11, "second": 52}
